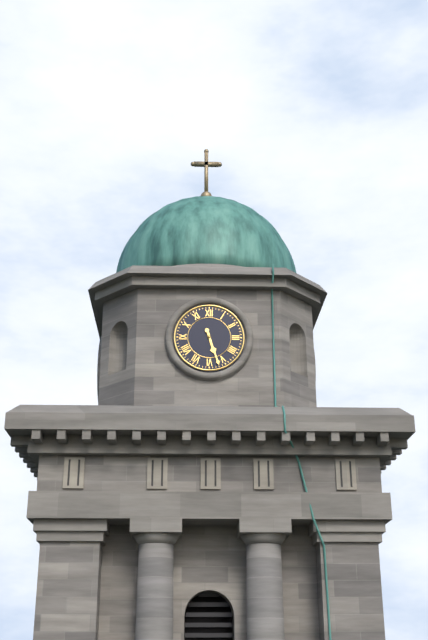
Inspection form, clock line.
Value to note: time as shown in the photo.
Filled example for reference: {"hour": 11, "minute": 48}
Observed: {"hour": 5, "minute": 27}
